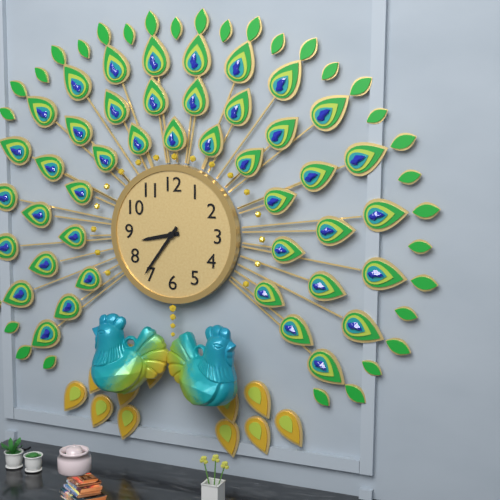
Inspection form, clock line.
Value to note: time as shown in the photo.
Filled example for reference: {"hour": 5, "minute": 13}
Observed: {"hour": 8, "minute": 36}
